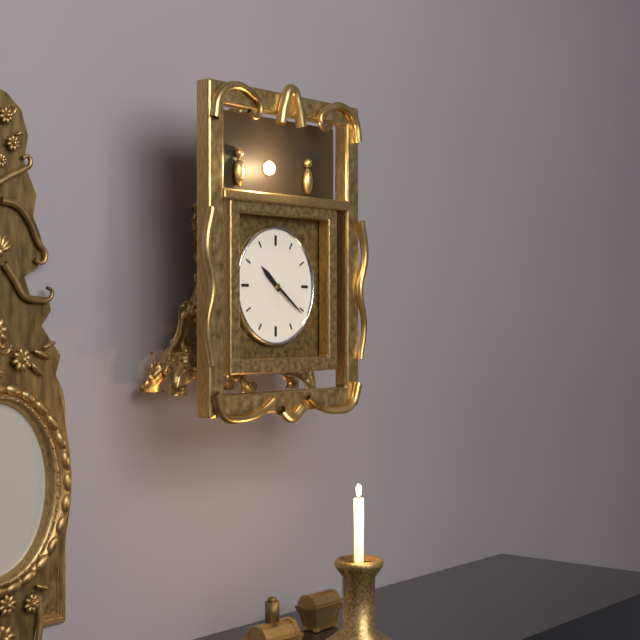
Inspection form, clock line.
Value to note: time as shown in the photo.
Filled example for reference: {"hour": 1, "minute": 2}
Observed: {"hour": 10, "minute": 21}
